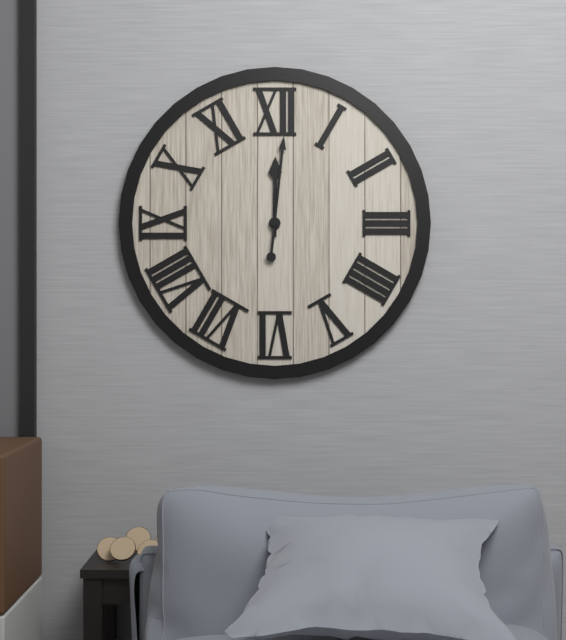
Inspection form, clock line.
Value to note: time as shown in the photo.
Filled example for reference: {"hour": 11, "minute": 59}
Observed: {"hour": 12, "minute": 1}
